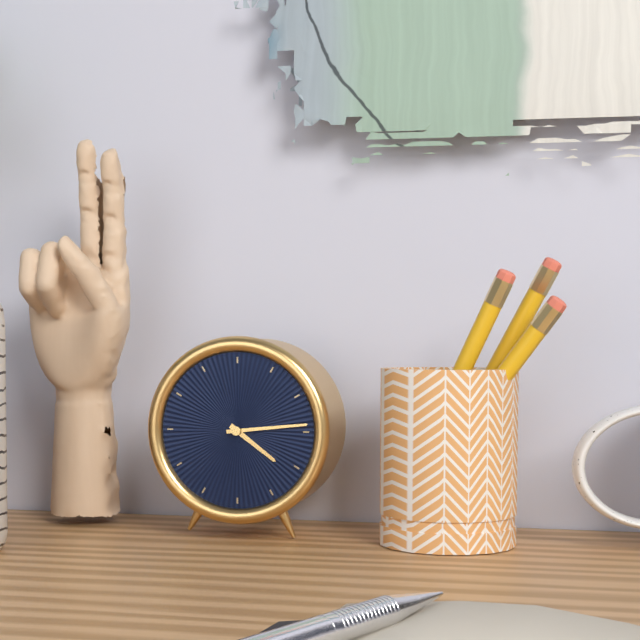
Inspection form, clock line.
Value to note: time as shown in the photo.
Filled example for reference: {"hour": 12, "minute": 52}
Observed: {"hour": 4, "minute": 14}
